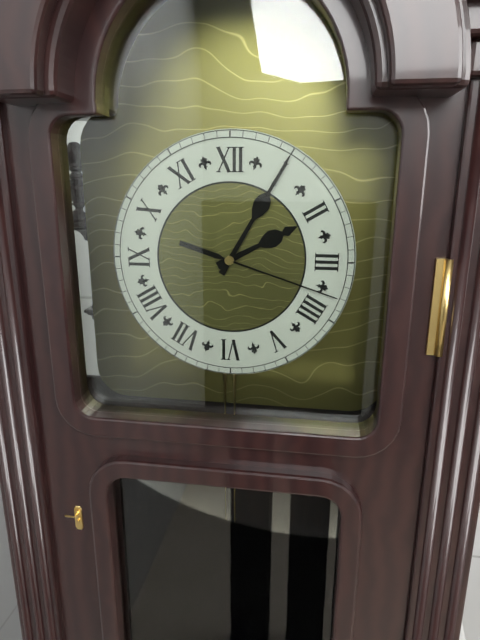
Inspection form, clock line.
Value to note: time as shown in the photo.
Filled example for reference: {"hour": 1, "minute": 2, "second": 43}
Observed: {"hour": 2, "minute": 5, "second": 18}
